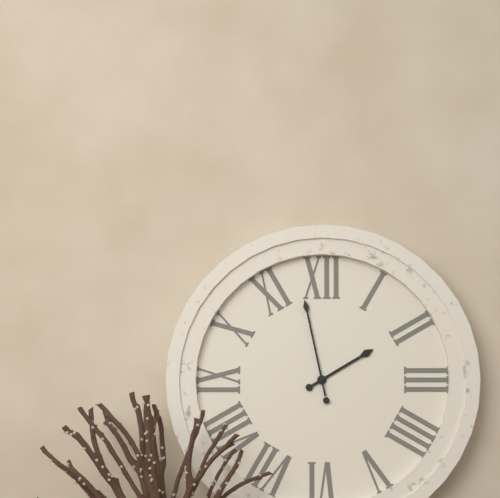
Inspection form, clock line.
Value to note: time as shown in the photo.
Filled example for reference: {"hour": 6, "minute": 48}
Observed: {"hour": 1, "minute": 58}
